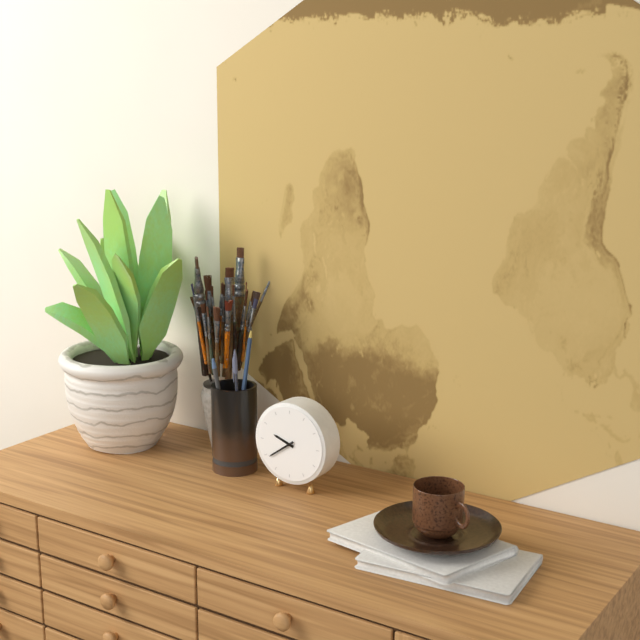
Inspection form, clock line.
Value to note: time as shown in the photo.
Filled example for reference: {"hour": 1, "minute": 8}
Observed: {"hour": 9, "minute": 39}
